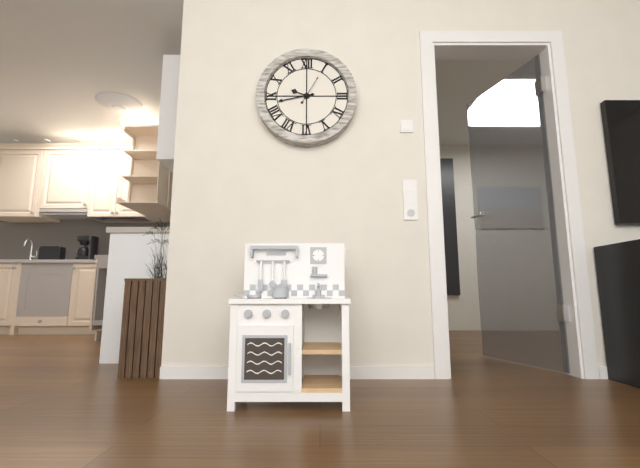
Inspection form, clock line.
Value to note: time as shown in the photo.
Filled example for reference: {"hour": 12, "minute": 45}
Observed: {"hour": 9, "minute": 43}
